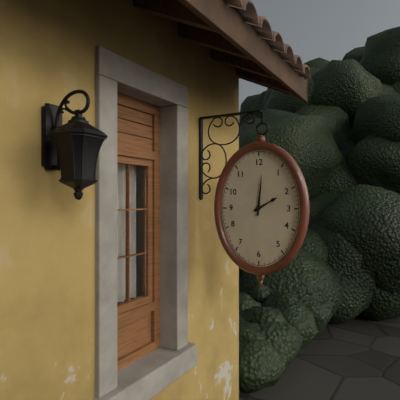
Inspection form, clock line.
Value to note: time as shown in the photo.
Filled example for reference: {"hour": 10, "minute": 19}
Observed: {"hour": 2, "minute": 1}
